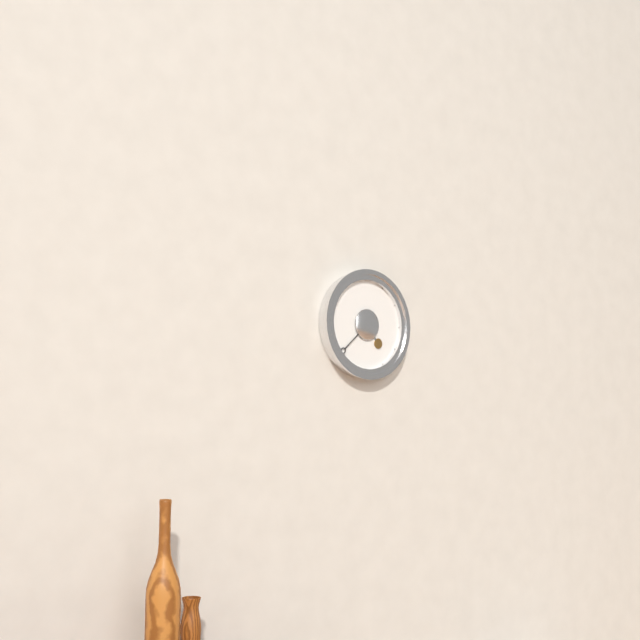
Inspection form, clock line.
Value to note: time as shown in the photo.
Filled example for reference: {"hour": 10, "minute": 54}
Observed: {"hour": 4, "minute": 38}
